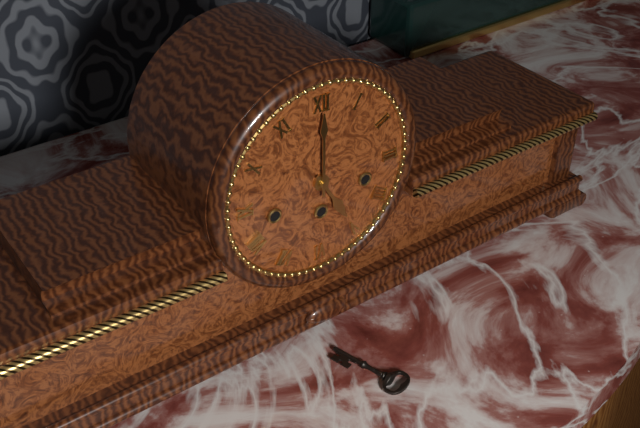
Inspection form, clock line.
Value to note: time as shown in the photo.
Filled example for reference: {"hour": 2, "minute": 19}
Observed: {"hour": 5, "minute": 0}
